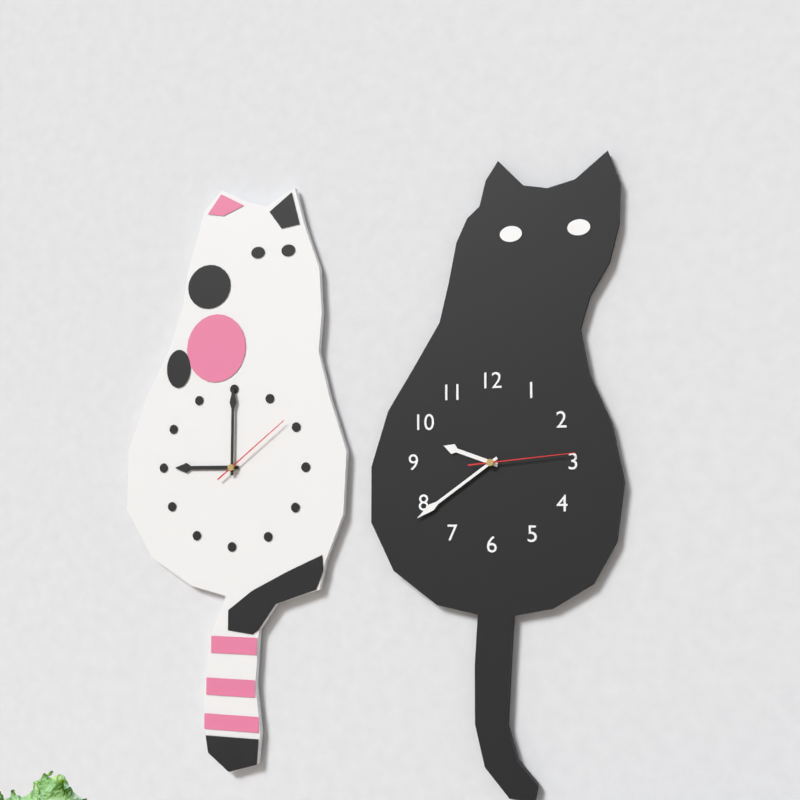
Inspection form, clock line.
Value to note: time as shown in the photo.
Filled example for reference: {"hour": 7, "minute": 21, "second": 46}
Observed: {"hour": 9, "minute": 39, "second": 14}
